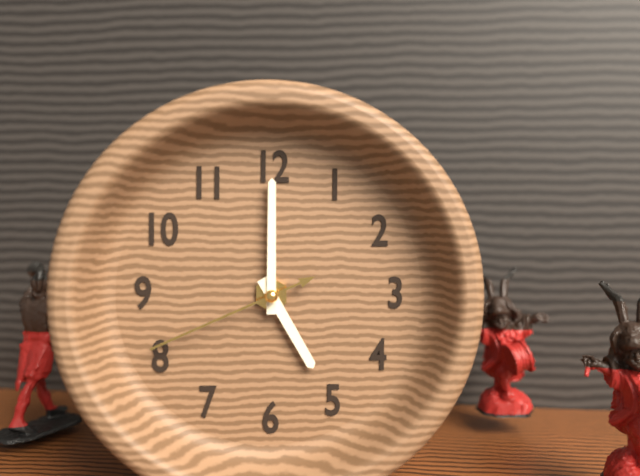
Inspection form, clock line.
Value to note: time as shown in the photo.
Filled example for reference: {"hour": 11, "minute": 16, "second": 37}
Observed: {"hour": 5, "minute": 0, "second": 41}
